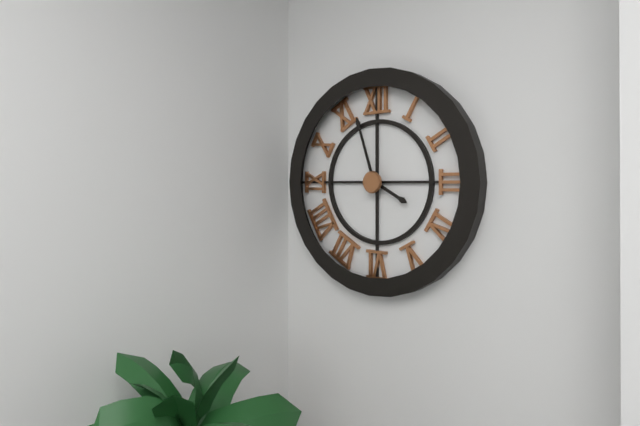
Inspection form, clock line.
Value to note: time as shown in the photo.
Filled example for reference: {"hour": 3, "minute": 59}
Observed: {"hour": 3, "minute": 57}
